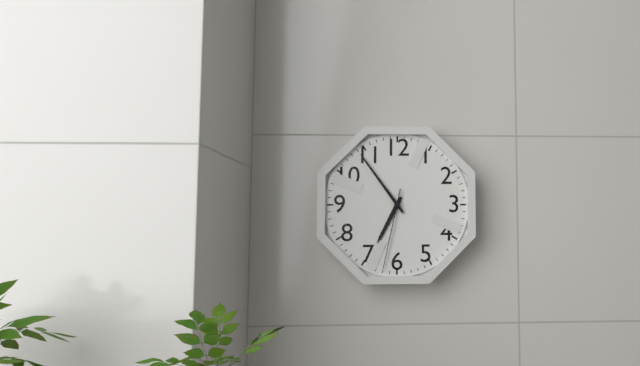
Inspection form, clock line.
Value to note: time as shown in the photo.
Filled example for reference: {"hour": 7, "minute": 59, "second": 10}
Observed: {"hour": 6, "minute": 54, "second": 32}
